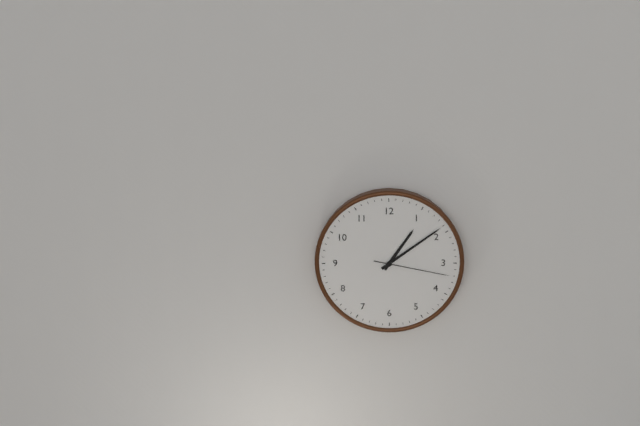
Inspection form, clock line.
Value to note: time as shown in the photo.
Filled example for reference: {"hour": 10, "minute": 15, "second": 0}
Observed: {"hour": 1, "minute": 9, "second": 17}
